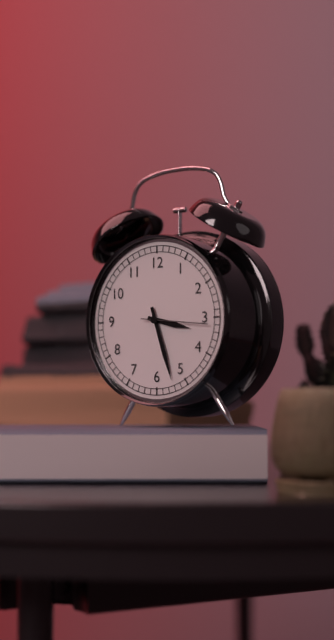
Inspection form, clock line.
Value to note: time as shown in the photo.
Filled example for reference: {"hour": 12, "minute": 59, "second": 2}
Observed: {"hour": 3, "minute": 27, "second": 16}
